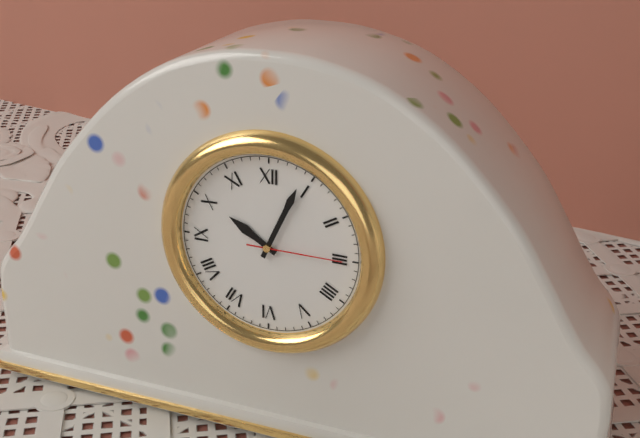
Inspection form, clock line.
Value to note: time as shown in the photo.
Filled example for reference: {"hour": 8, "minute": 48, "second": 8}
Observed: {"hour": 10, "minute": 4, "second": 15}
